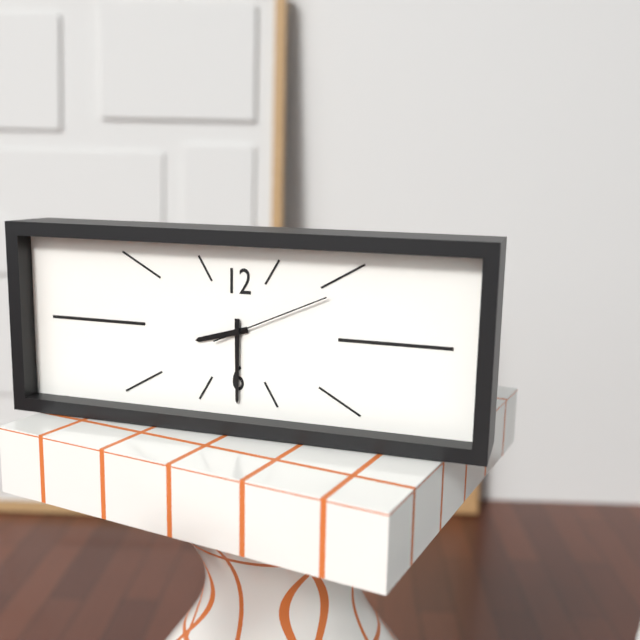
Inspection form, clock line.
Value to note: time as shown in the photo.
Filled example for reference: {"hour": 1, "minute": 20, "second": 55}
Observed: {"hour": 8, "minute": 30, "second": 11}
